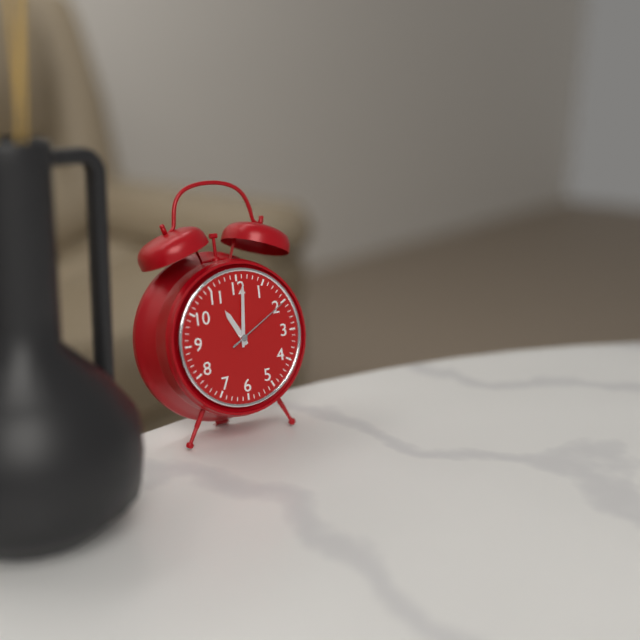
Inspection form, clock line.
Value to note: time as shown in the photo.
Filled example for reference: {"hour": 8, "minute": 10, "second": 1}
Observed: {"hour": 11, "minute": 1, "second": 10}
